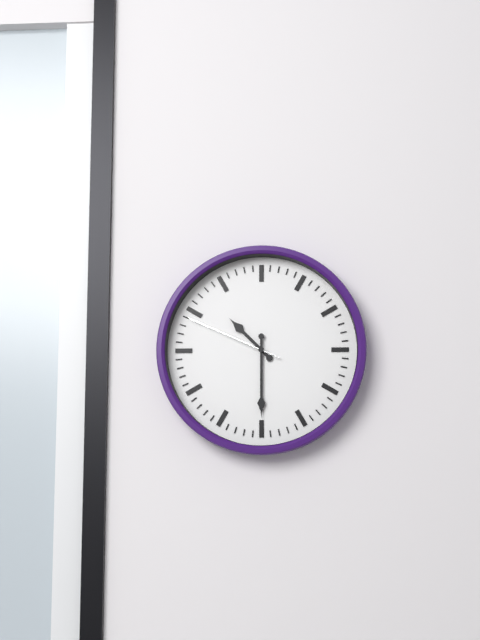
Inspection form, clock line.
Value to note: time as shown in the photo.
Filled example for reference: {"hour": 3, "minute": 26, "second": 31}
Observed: {"hour": 10, "minute": 30, "second": 49}
